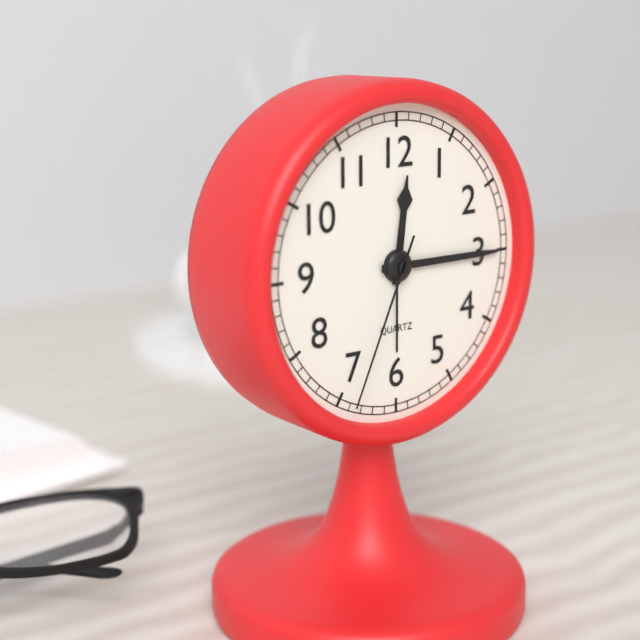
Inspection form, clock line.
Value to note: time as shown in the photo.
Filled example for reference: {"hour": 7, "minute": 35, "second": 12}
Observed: {"hour": 12, "minute": 15, "second": 34}
